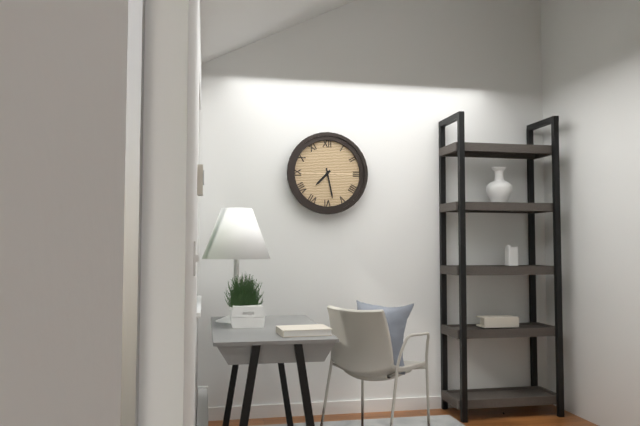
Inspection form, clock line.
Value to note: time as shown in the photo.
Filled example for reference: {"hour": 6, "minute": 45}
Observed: {"hour": 7, "minute": 28}
